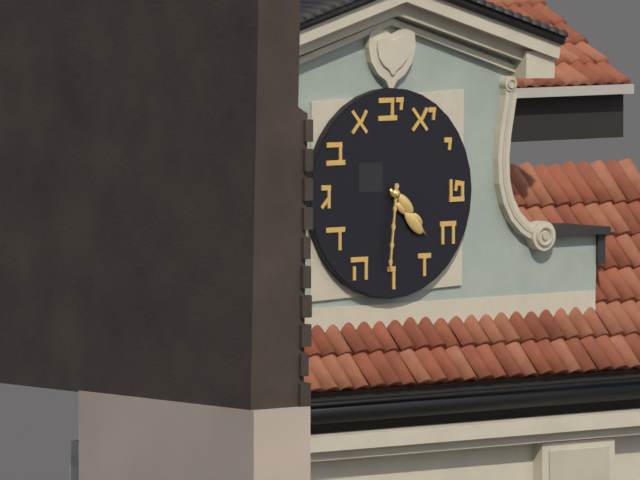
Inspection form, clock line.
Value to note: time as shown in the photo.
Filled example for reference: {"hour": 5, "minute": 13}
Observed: {"hour": 4, "minute": 31}
